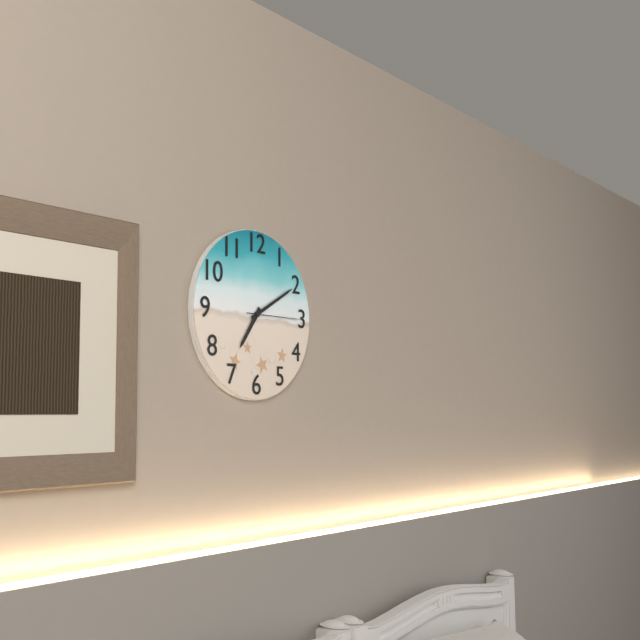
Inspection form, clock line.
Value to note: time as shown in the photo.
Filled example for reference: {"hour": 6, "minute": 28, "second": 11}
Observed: {"hour": 7, "minute": 10, "second": 15}
